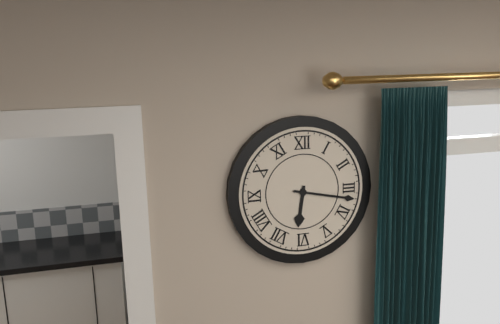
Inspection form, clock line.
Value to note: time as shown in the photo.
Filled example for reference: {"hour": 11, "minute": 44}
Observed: {"hour": 6, "minute": 17}
